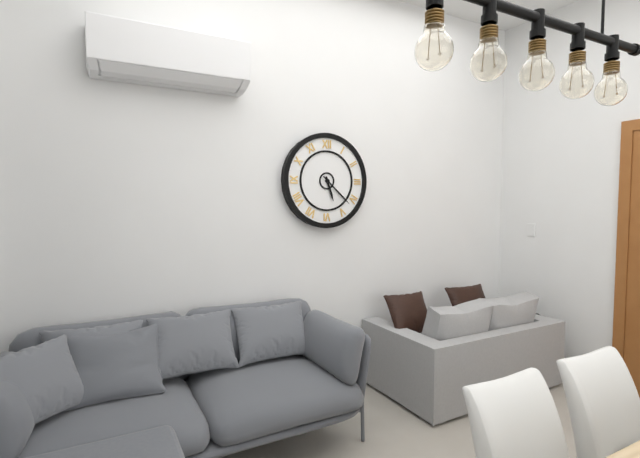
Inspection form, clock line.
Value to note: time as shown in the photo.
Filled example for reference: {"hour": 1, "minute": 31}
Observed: {"hour": 5, "minute": 22}
